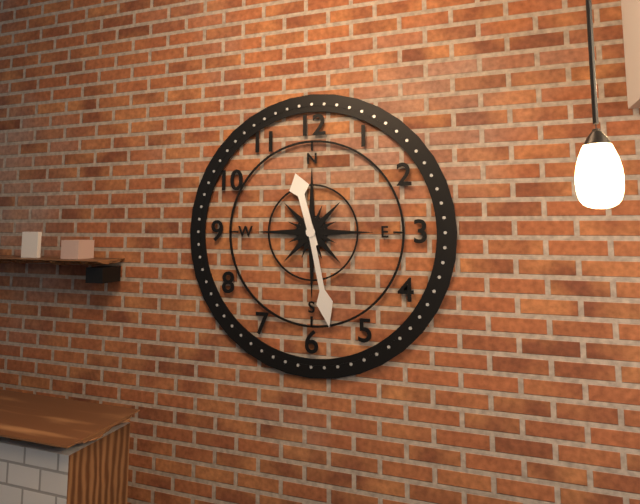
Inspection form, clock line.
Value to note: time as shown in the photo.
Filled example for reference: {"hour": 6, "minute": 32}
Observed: {"hour": 11, "minute": 28}
